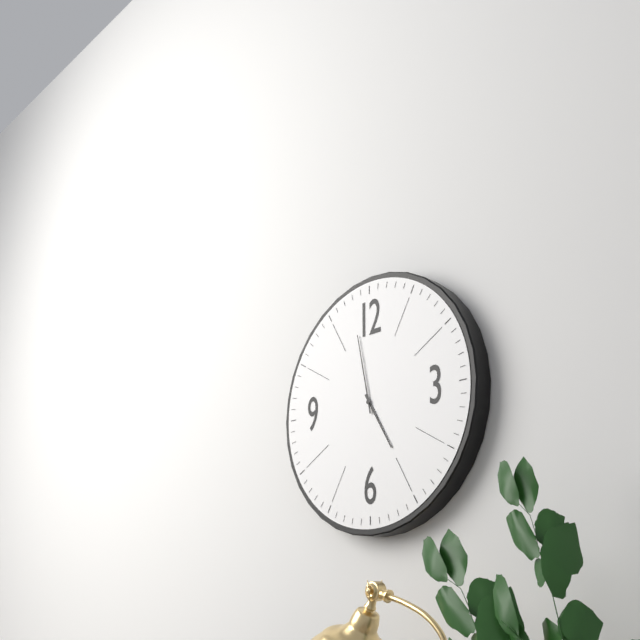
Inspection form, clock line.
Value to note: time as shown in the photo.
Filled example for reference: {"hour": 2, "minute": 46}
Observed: {"hour": 4, "minute": 58}
